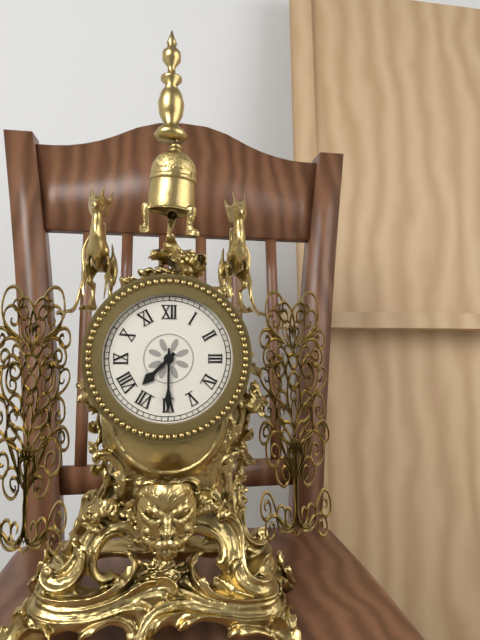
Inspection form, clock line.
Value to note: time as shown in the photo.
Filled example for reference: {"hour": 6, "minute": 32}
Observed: {"hour": 7, "minute": 30}
